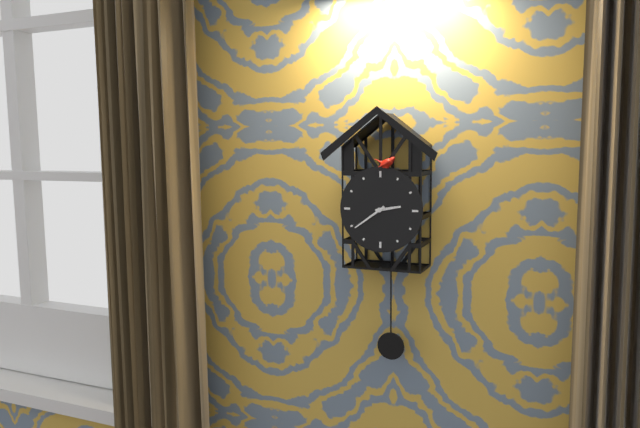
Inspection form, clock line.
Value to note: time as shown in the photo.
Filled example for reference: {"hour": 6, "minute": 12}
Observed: {"hour": 2, "minute": 39}
